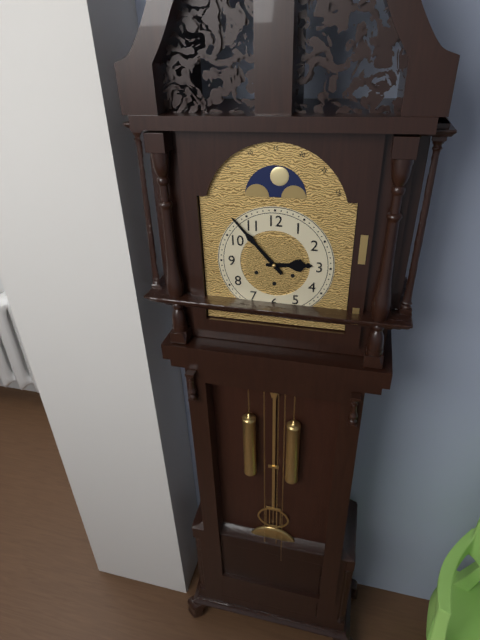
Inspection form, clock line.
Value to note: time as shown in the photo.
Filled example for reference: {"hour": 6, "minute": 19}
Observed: {"hour": 2, "minute": 53}
